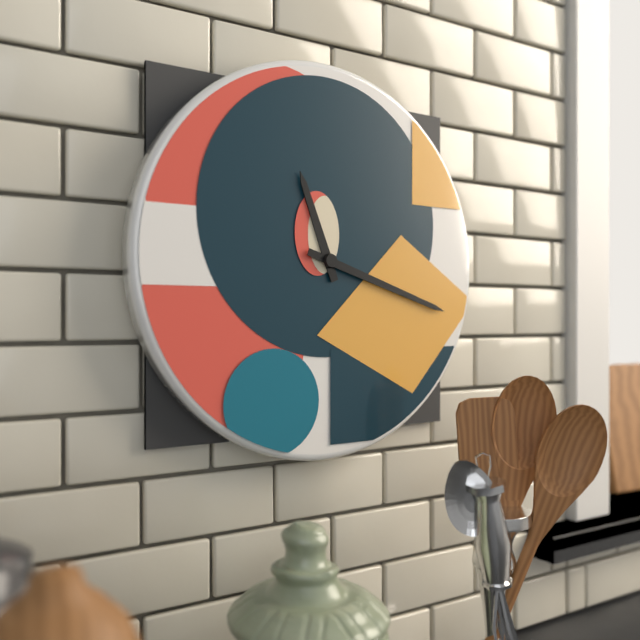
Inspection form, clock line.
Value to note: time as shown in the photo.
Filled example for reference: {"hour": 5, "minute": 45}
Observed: {"hour": 11, "minute": 18}
